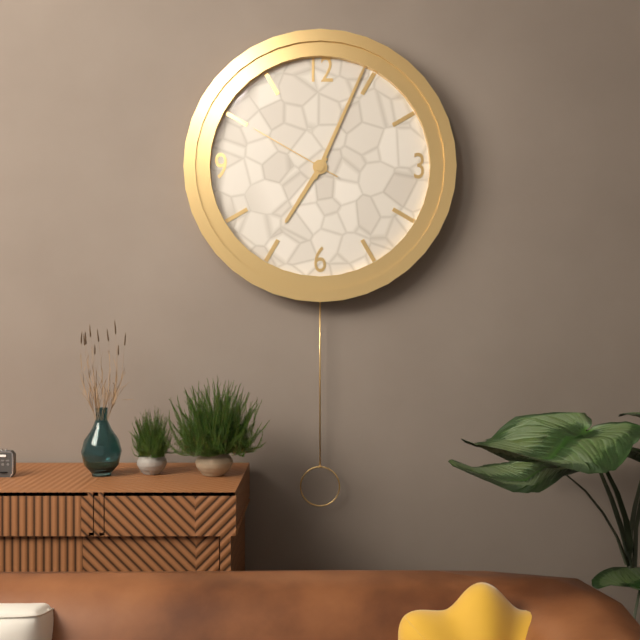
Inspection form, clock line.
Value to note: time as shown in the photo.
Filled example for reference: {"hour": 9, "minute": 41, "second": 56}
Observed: {"hour": 7, "minute": 4, "second": 50}
